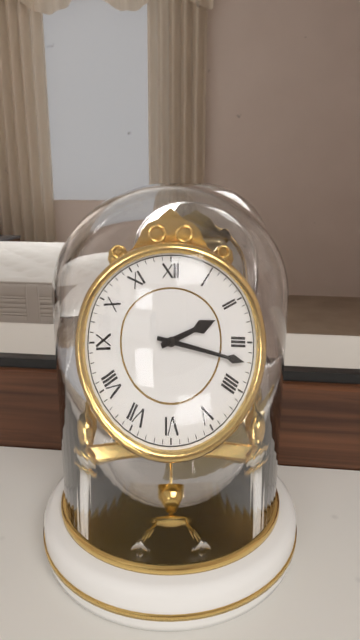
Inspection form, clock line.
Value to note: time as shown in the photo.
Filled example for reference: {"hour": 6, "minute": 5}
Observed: {"hour": 2, "minute": 17}
